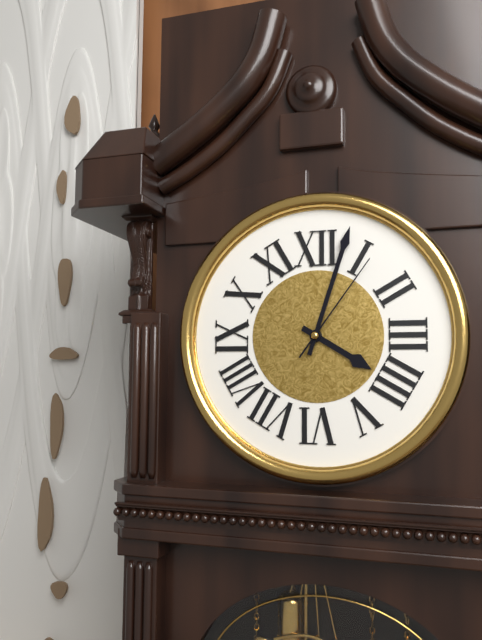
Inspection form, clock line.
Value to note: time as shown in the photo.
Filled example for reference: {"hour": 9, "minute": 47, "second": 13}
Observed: {"hour": 4, "minute": 3, "second": 6}
